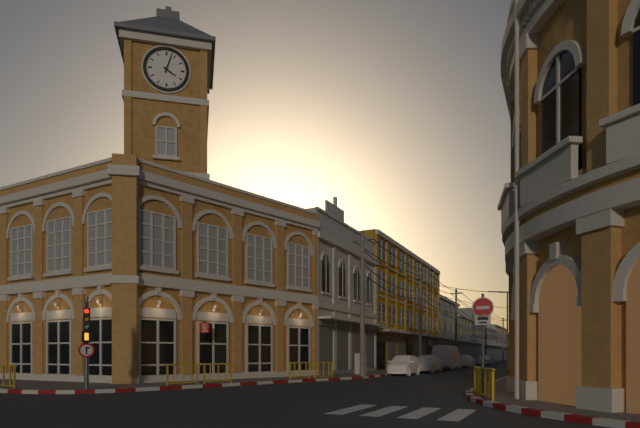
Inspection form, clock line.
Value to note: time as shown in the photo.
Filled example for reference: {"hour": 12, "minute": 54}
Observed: {"hour": 4, "minute": 3}
